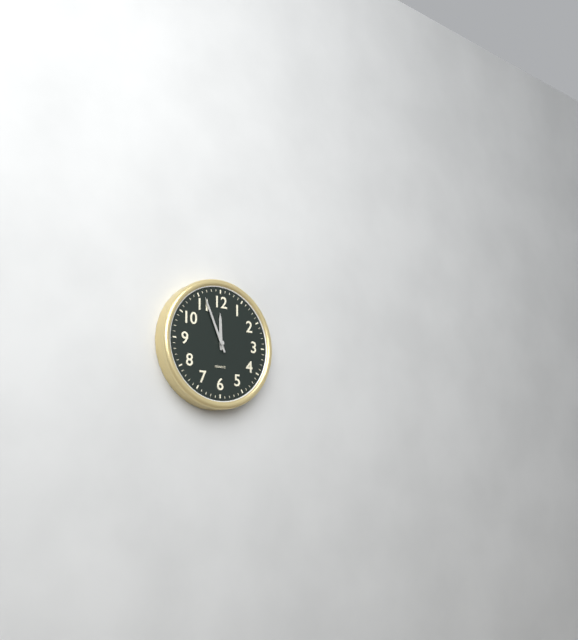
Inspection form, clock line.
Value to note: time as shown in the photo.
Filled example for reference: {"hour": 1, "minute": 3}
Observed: {"hour": 11, "minute": 56}
